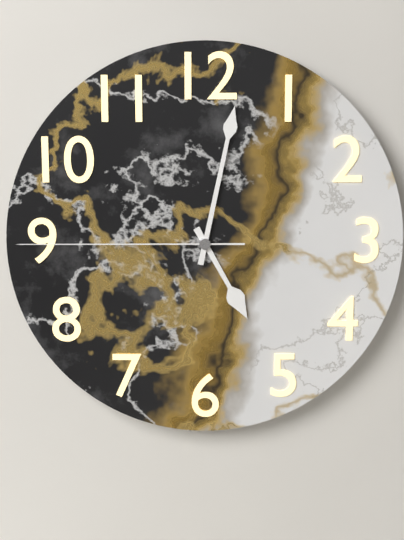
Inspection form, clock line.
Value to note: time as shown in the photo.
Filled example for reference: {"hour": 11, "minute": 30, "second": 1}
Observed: {"hour": 5, "minute": 2, "second": 45}
